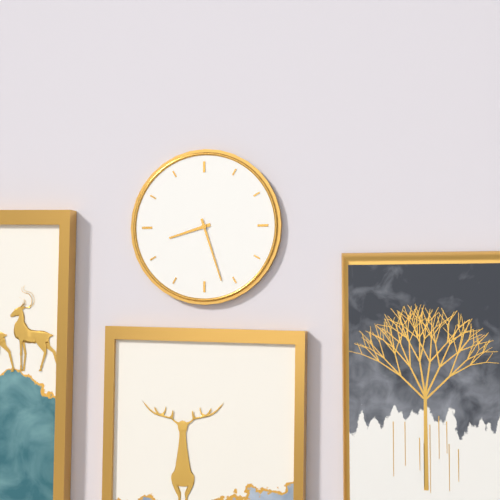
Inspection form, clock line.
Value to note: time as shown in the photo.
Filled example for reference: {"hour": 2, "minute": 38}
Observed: {"hour": 8, "minute": 27}
